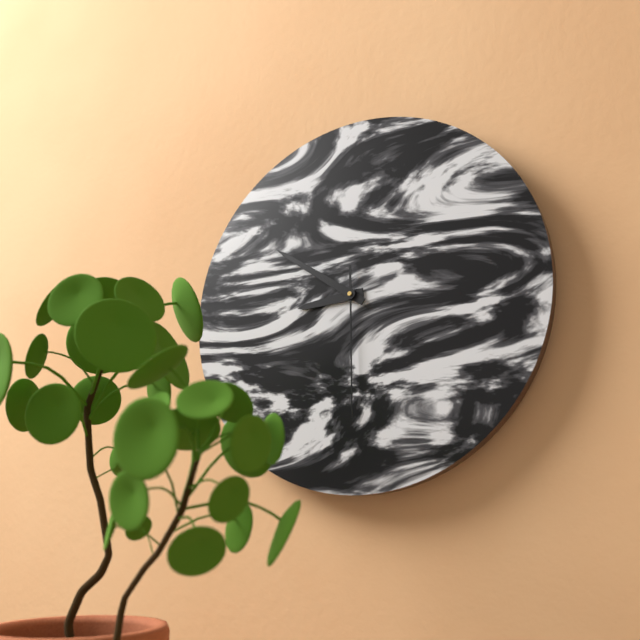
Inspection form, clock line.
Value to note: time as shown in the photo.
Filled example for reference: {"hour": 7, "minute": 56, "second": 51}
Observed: {"hour": 8, "minute": 51, "second": 30}
